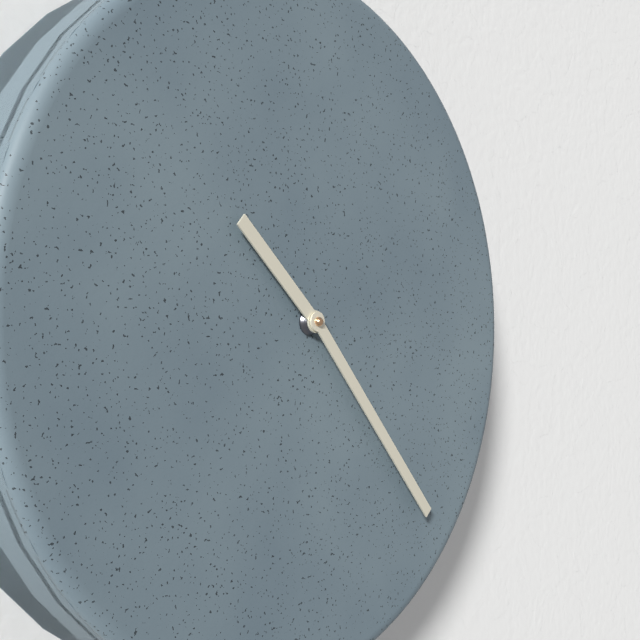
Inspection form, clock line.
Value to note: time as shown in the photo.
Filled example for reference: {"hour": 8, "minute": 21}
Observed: {"hour": 10, "minute": 23}
